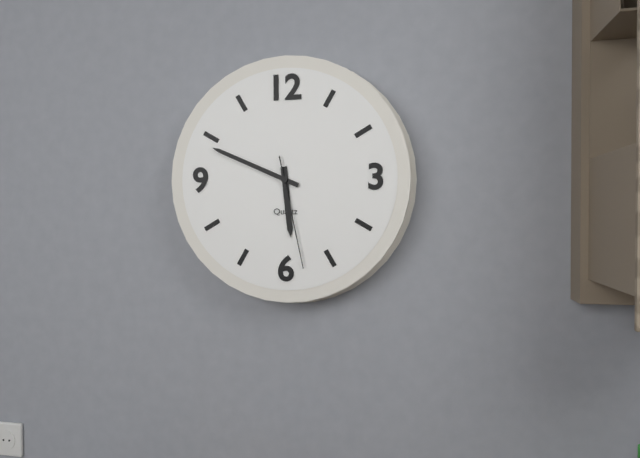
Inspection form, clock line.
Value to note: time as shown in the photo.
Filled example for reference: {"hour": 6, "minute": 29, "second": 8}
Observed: {"hour": 5, "minute": 49, "second": 28}
